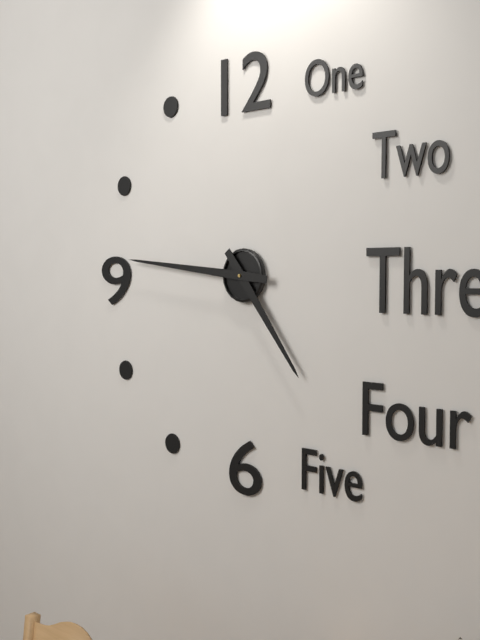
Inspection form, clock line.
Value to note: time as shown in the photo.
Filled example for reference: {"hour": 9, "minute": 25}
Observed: {"hour": 4, "minute": 46}
